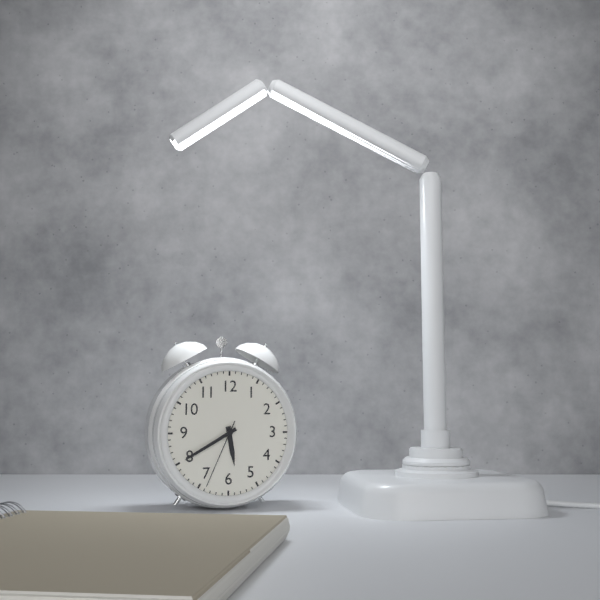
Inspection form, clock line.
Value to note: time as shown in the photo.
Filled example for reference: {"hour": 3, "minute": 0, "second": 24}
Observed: {"hour": 5, "minute": 40, "second": 34}
